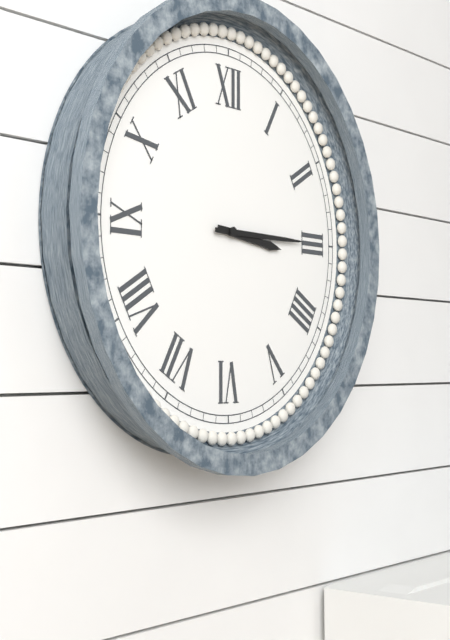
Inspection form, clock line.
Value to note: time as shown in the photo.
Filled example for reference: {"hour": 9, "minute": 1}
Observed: {"hour": 3, "minute": 15}
